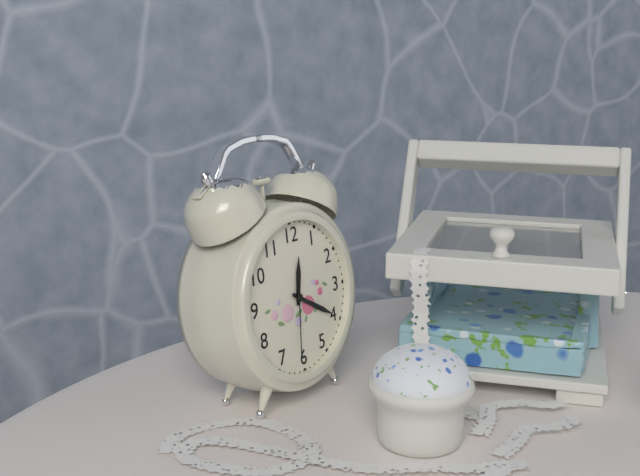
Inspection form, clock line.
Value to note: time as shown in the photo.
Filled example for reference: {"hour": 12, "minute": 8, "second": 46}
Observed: {"hour": 12, "minute": 20, "second": 31}
